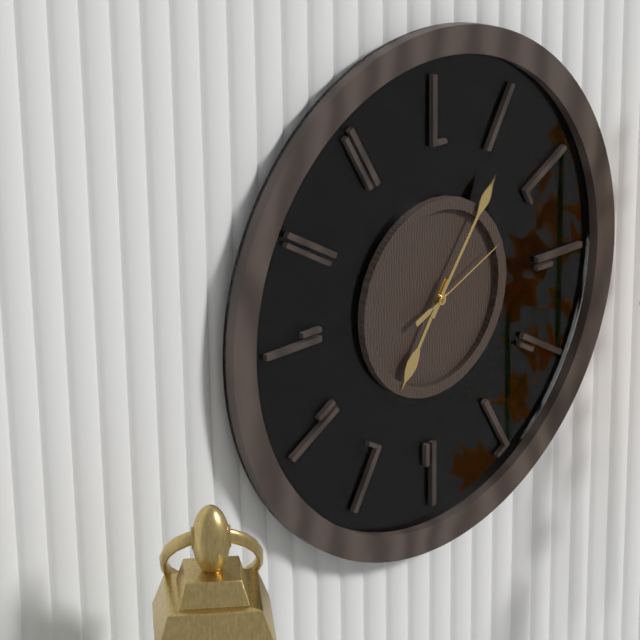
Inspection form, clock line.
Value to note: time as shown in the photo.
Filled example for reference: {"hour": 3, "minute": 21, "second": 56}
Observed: {"hour": 7, "minute": 6, "second": 11}
